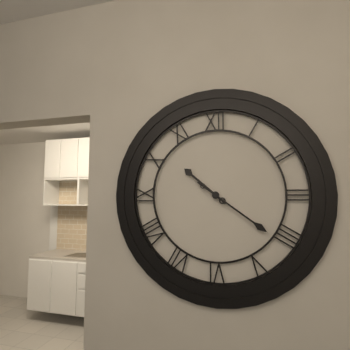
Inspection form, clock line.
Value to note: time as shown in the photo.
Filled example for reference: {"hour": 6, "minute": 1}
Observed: {"hour": 10, "minute": 21}
